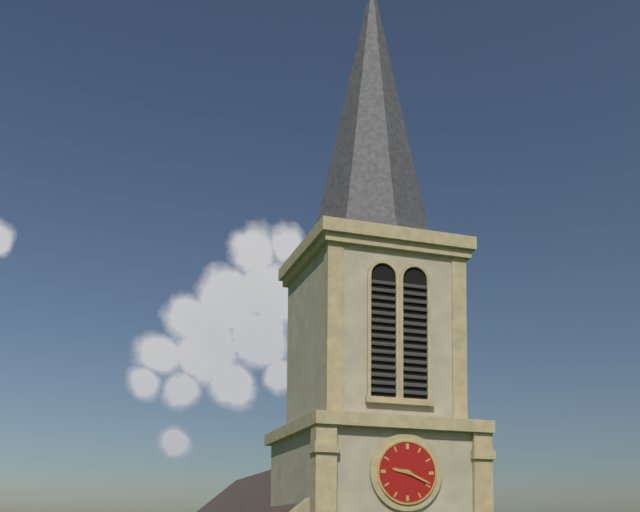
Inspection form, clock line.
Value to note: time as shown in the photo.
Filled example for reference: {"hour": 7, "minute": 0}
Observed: {"hour": 9, "minute": 19}
